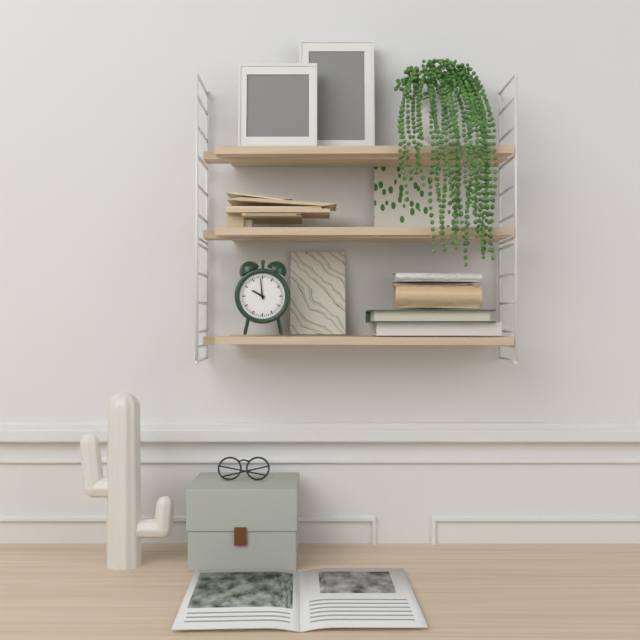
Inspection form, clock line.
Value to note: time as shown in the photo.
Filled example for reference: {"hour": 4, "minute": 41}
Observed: {"hour": 9, "minute": 59}
